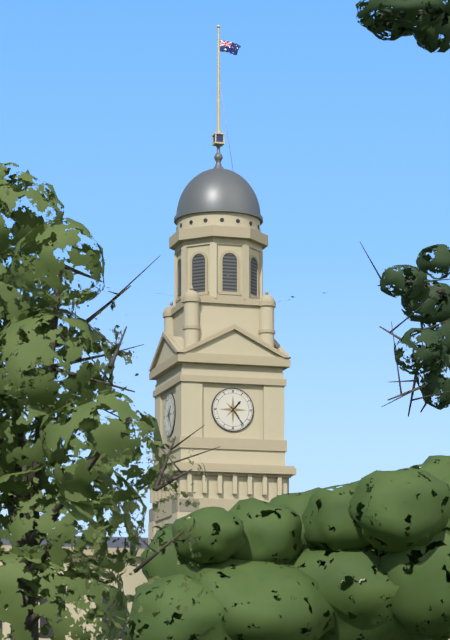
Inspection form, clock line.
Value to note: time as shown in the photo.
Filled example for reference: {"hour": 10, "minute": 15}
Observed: {"hour": 1, "minute": 24}
